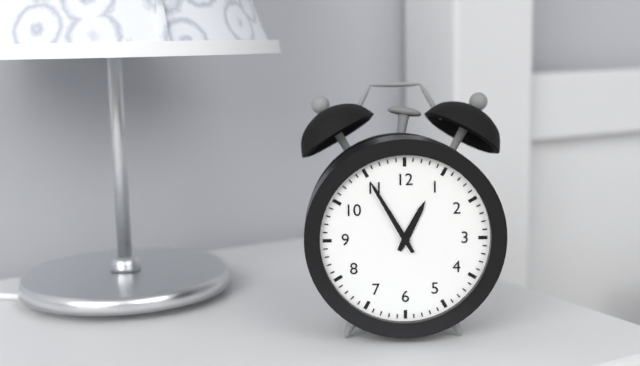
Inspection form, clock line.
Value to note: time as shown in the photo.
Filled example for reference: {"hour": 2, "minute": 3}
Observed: {"hour": 12, "minute": 55}
